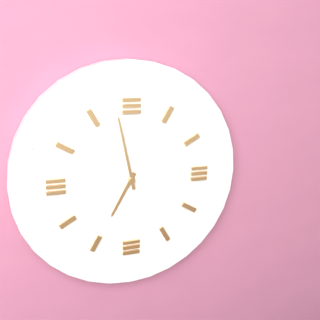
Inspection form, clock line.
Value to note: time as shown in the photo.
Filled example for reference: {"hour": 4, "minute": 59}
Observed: {"hour": 6, "minute": 58}
